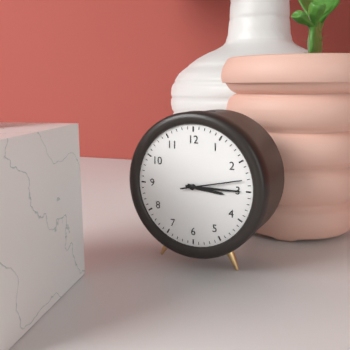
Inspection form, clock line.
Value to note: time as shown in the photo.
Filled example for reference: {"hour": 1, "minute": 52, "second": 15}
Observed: {"hour": 3, "minute": 15, "second": 13}
